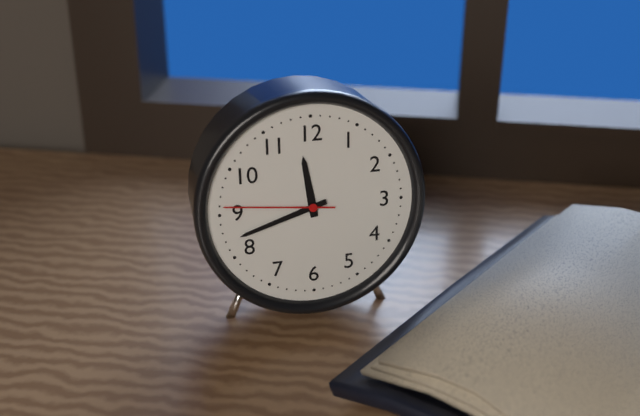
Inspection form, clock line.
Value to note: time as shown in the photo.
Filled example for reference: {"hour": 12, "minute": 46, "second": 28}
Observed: {"hour": 11, "minute": 42, "second": 46}
